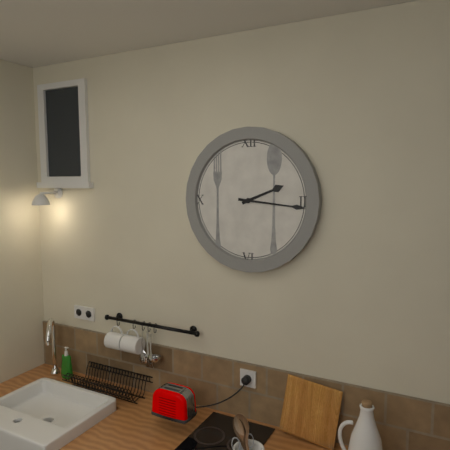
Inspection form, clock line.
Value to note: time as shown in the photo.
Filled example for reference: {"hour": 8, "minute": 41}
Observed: {"hour": 2, "minute": 16}
